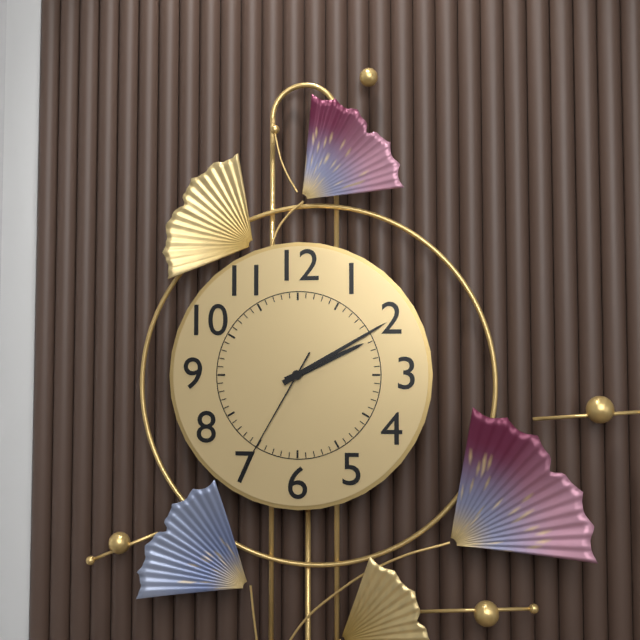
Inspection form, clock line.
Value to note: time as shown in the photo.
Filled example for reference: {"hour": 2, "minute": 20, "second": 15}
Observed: {"hour": 2, "minute": 10, "second": 35}
